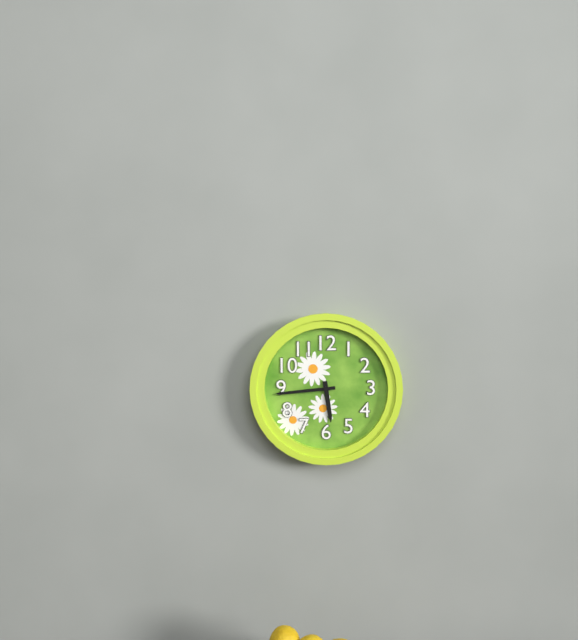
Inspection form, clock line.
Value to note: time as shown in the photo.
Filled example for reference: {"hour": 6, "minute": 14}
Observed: {"hour": 5, "minute": 44}
